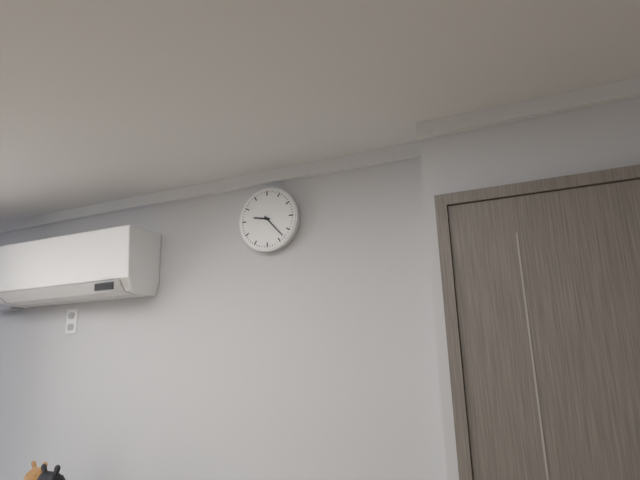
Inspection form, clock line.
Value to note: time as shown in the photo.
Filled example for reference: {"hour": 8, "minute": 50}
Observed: {"hour": 9, "minute": 23}
